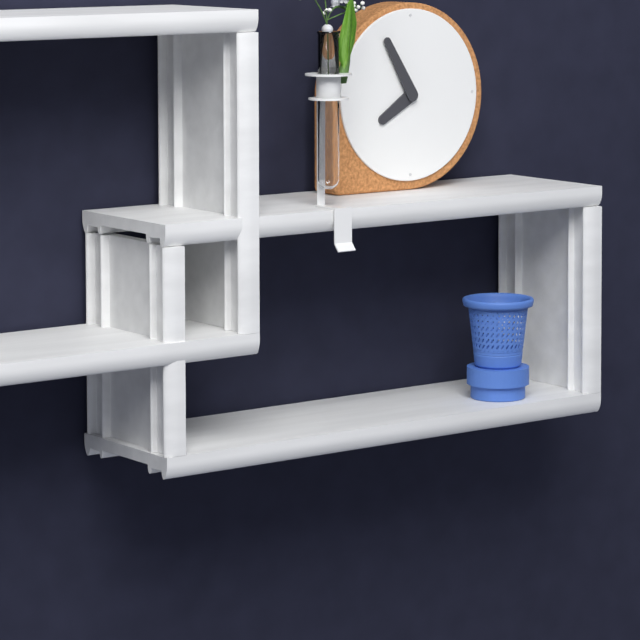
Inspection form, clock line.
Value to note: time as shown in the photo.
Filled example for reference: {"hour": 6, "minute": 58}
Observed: {"hour": 7, "minute": 55}
